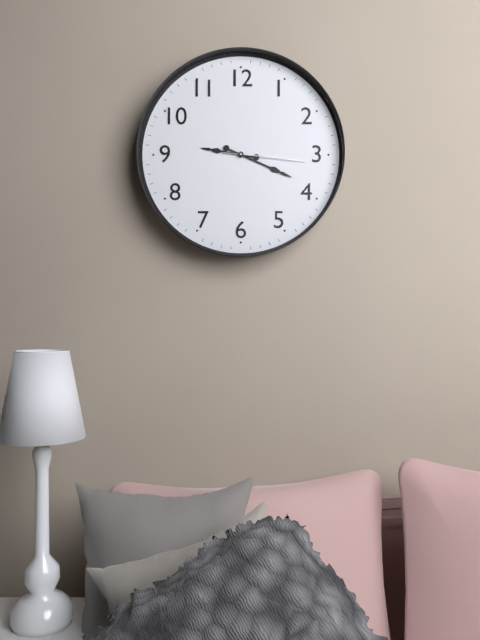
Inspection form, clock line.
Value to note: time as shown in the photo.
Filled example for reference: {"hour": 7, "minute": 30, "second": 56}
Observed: {"hour": 9, "minute": 19, "second": 16}
